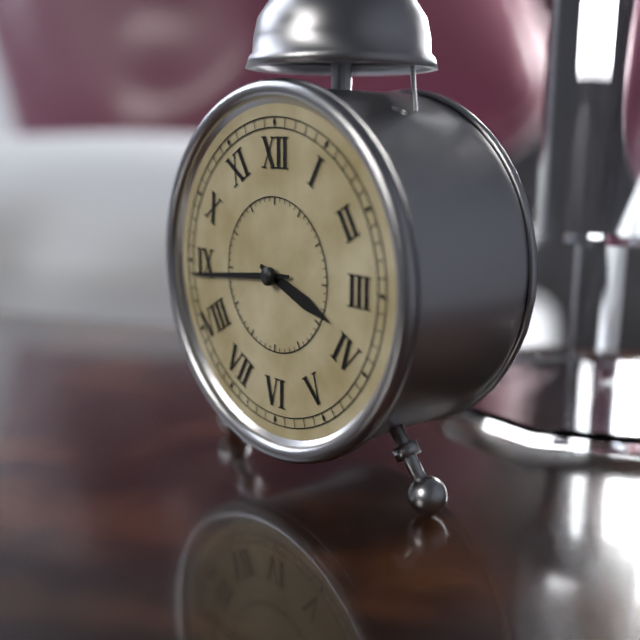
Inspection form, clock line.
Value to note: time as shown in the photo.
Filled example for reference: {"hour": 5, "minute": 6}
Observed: {"hour": 3, "minute": 44}
